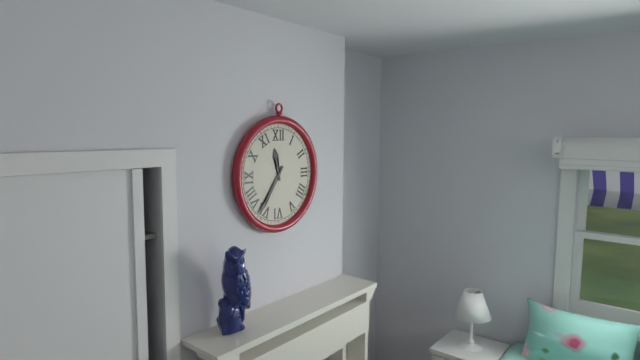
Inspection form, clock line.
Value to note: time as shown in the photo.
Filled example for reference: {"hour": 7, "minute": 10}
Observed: {"hour": 11, "minute": 36}
